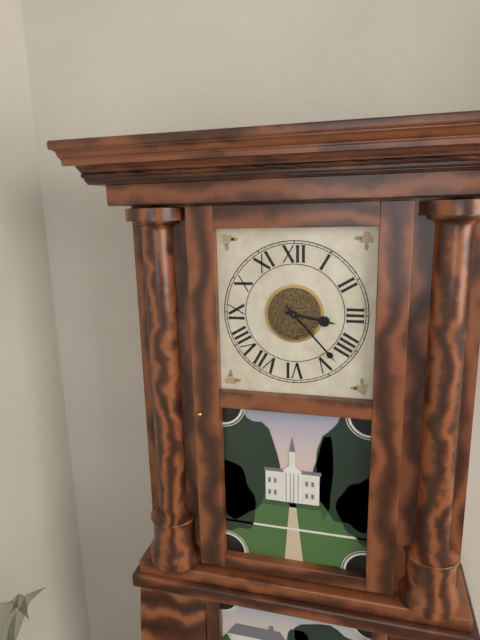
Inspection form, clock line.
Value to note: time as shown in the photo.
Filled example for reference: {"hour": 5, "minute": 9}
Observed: {"hour": 3, "minute": 23}
